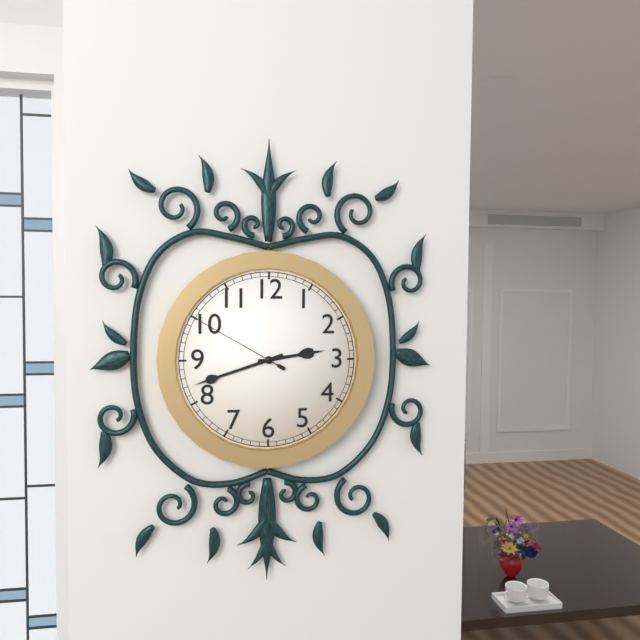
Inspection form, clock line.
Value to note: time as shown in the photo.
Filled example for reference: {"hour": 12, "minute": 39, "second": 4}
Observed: {"hour": 2, "minute": 42, "second": 50}
